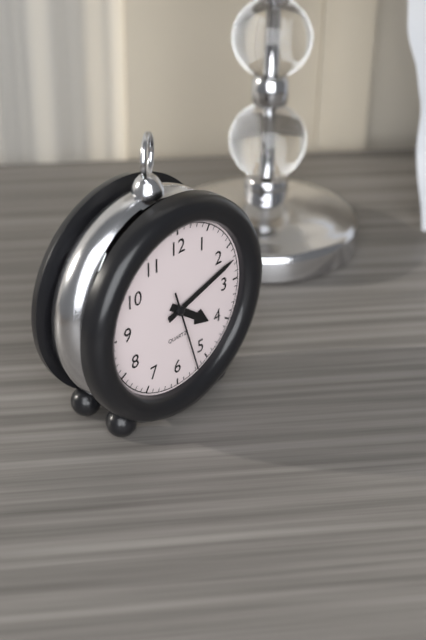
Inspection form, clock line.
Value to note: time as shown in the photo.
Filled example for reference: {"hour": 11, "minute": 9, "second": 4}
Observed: {"hour": 4, "minute": 12, "second": 27}
